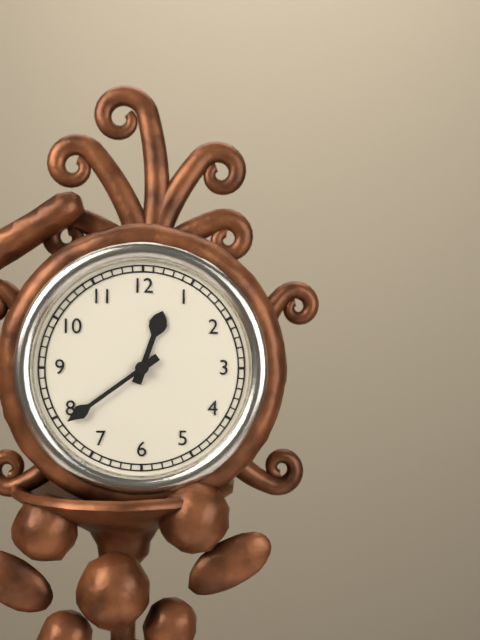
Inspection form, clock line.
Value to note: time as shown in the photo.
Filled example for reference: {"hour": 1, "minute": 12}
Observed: {"hour": 12, "minute": 39}
